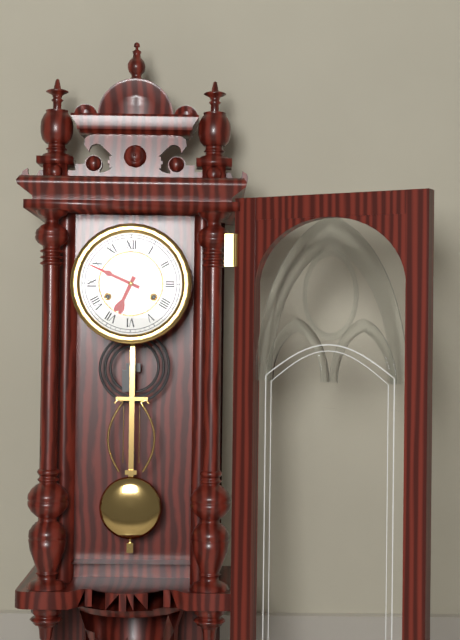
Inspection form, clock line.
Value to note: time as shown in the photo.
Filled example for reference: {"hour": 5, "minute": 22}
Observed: {"hour": 6, "minute": 49}
